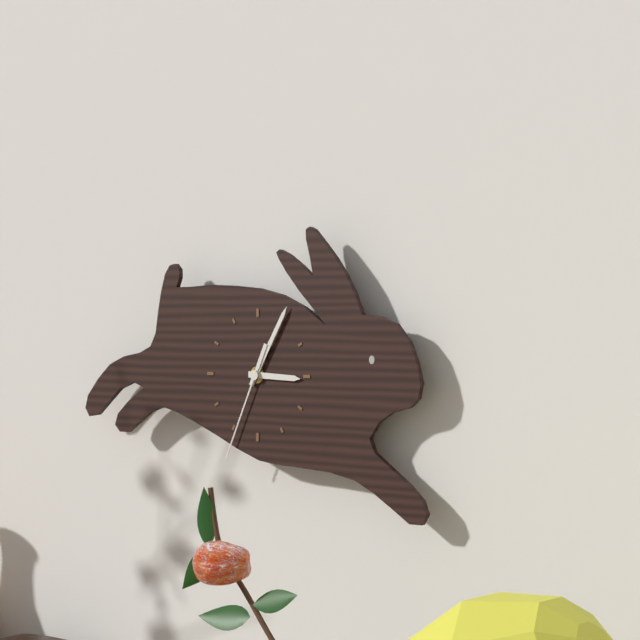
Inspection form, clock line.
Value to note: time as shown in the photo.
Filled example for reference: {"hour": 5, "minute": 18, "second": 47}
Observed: {"hour": 3, "minute": 5, "second": 34}
